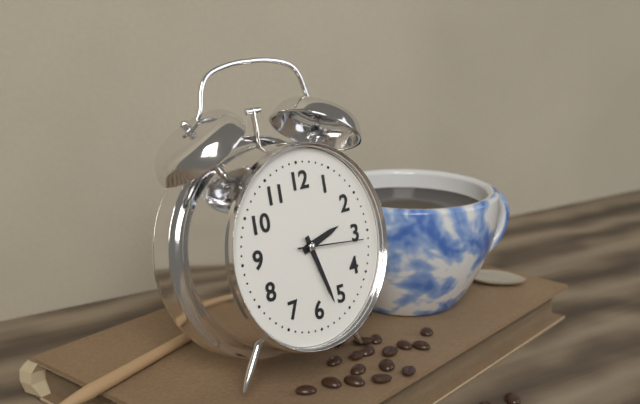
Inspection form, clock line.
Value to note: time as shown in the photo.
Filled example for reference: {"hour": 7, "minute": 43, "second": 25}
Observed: {"hour": 2, "minute": 27, "second": 16}
